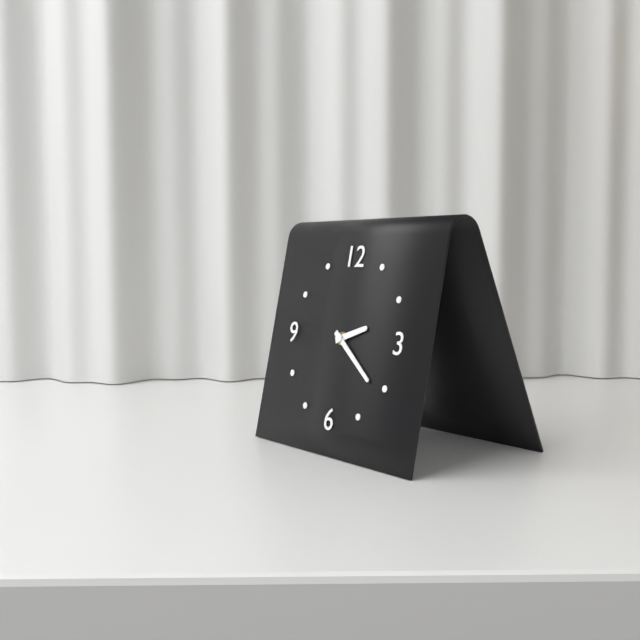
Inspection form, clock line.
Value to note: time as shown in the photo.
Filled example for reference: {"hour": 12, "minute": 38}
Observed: {"hour": 2, "minute": 21}
